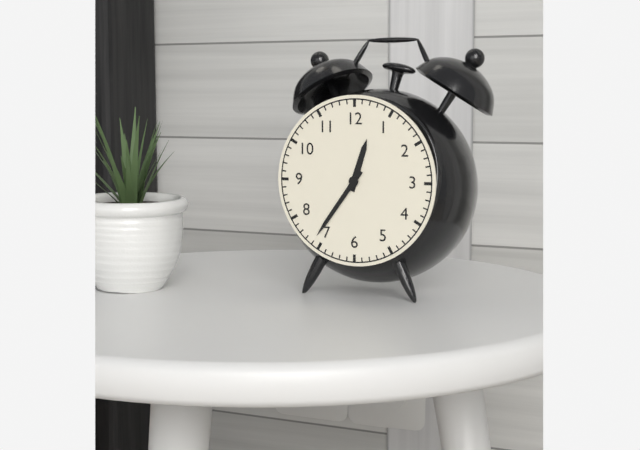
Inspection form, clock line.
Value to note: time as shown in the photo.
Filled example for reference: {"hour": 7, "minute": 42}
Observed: {"hour": 12, "minute": 36}
